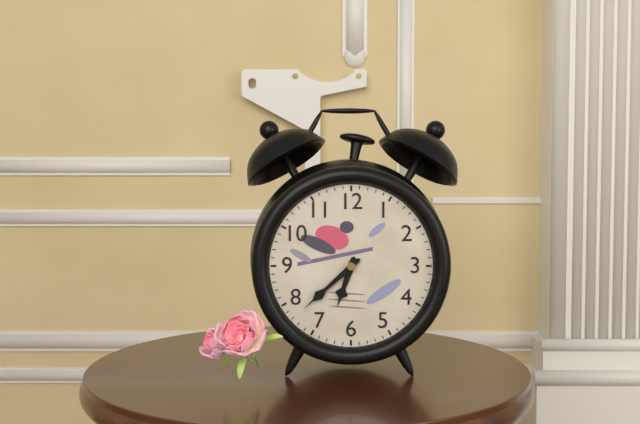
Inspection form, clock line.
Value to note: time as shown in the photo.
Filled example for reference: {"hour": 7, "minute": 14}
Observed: {"hour": 6, "minute": 38}
